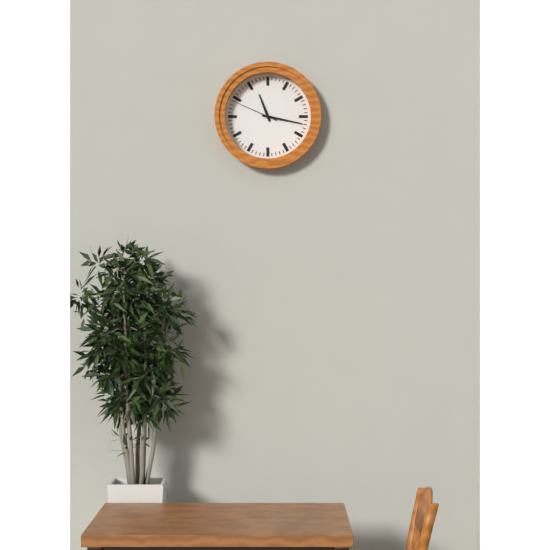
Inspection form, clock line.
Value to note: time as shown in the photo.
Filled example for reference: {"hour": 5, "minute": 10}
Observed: {"hour": 11, "minute": 17}
